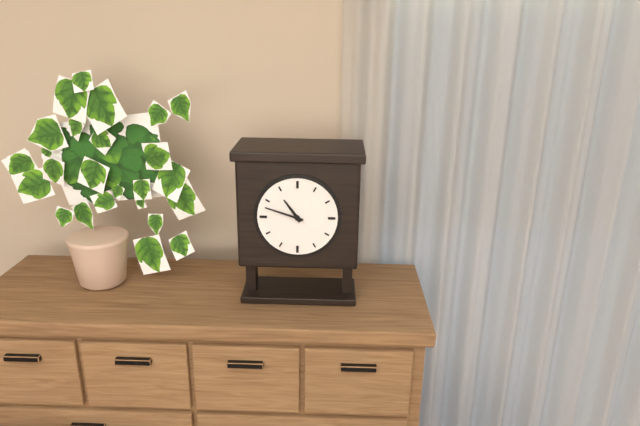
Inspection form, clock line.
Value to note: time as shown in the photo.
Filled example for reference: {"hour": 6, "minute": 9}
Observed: {"hour": 10, "minute": 48}
